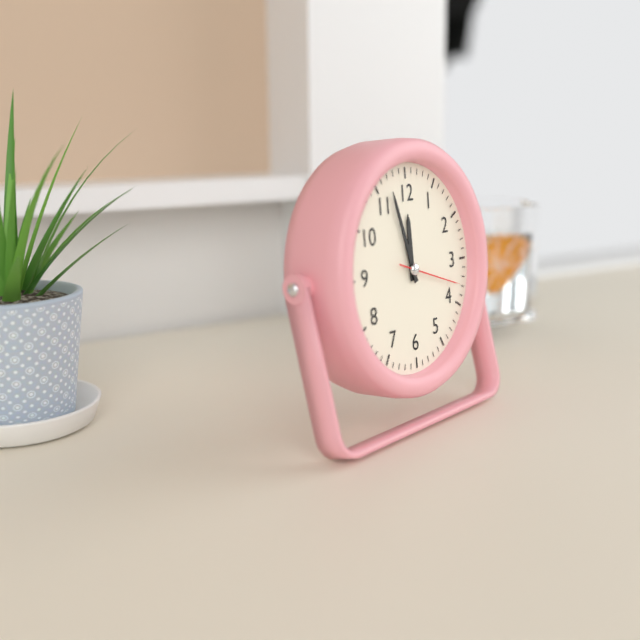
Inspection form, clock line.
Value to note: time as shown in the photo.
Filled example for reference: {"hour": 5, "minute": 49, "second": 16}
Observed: {"hour": 11, "minute": 57, "second": 18}
